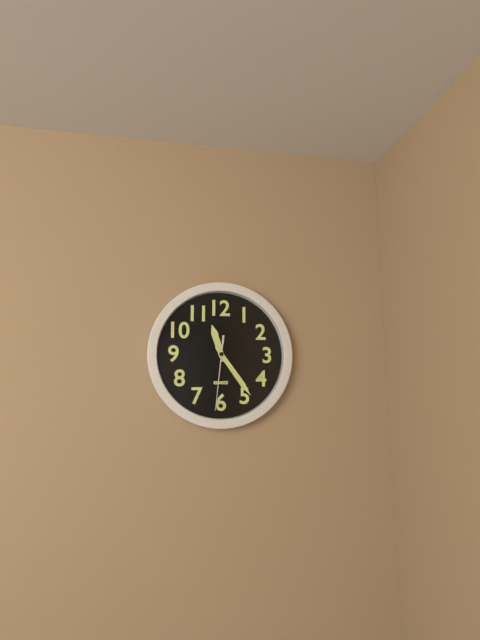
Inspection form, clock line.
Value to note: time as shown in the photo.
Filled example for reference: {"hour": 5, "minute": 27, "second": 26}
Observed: {"hour": 11, "minute": 24, "second": 31}
